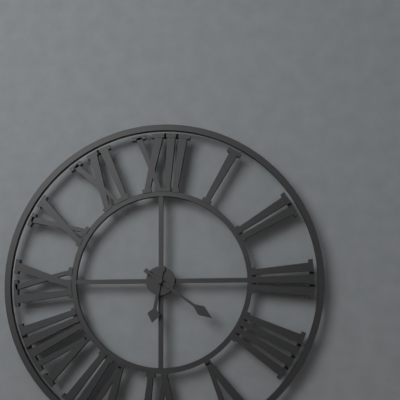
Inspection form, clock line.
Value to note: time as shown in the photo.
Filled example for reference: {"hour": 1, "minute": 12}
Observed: {"hour": 6, "minute": 21}
